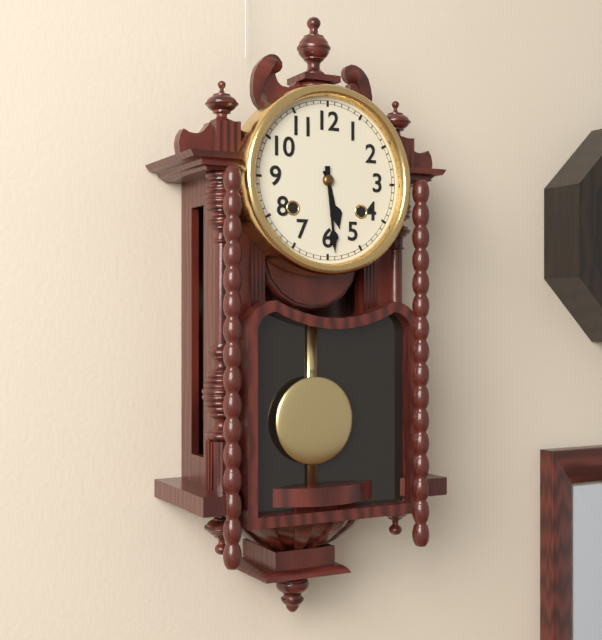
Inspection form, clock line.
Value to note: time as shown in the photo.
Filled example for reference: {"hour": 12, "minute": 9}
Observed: {"hour": 5, "minute": 29}
